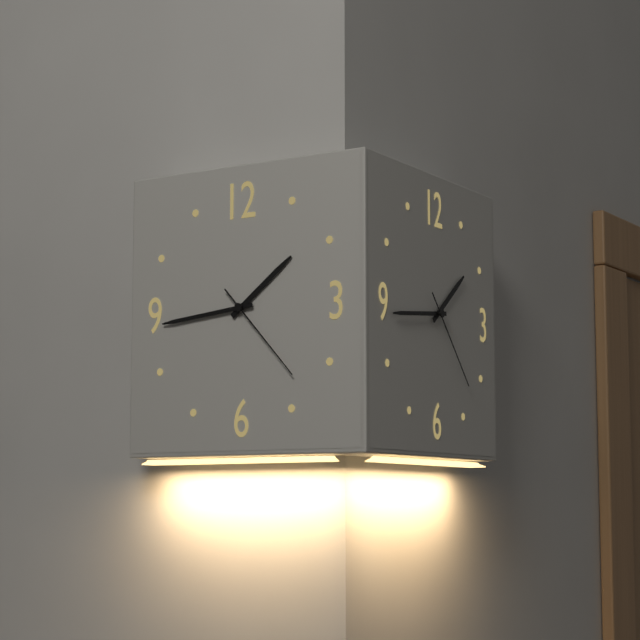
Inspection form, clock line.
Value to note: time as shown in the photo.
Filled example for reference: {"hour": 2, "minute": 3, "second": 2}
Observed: {"hour": 1, "minute": 44, "second": 23}
